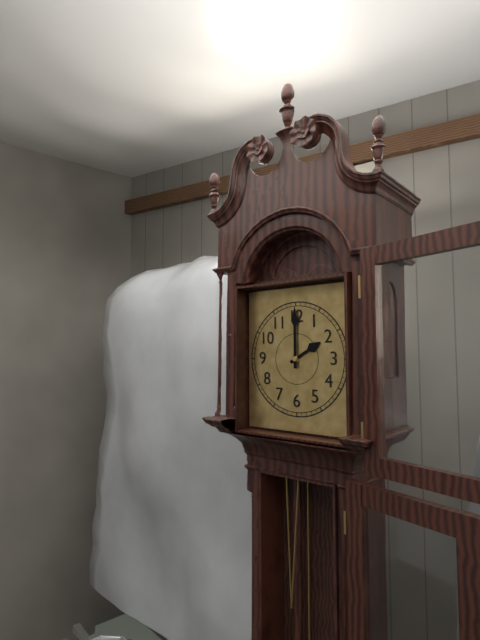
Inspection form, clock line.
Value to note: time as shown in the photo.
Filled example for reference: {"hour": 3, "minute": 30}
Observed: {"hour": 2, "minute": 0}
